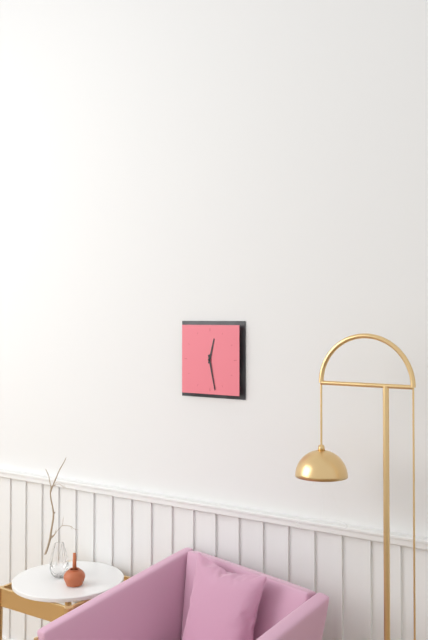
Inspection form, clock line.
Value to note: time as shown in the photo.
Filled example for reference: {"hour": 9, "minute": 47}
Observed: {"hour": 12, "minute": 28}
